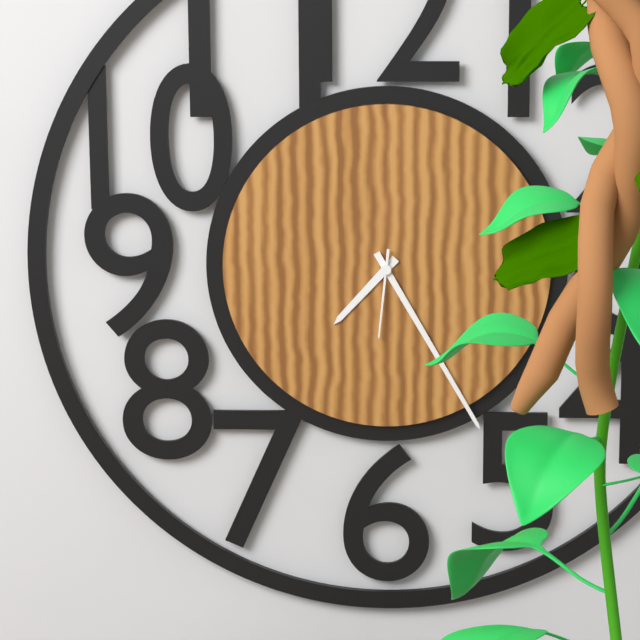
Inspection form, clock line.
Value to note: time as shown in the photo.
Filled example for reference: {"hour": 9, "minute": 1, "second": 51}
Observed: {"hour": 7, "minute": 25, "second": 31}
